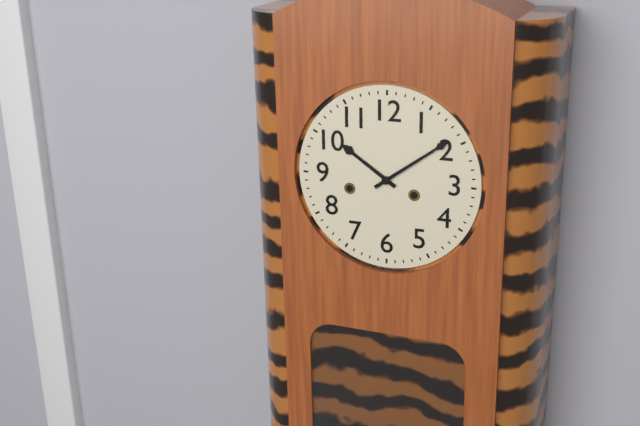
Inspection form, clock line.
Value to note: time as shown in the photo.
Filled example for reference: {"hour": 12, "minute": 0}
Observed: {"hour": 10, "minute": 9}
